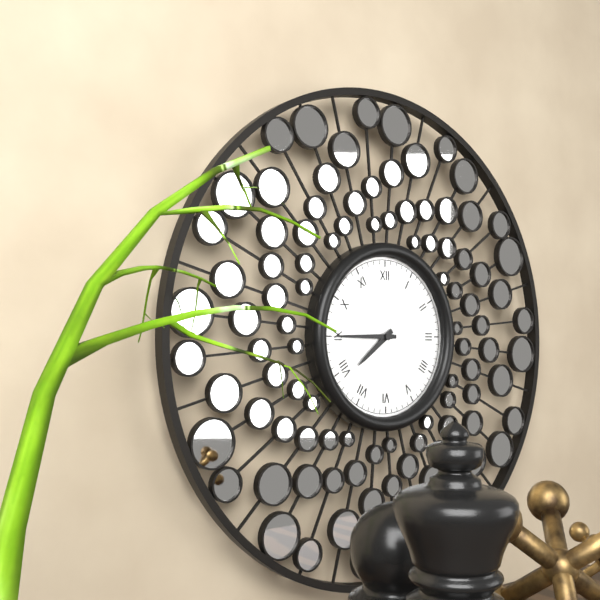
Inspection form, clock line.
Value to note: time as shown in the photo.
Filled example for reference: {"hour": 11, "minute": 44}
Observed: {"hour": 7, "minute": 45}
